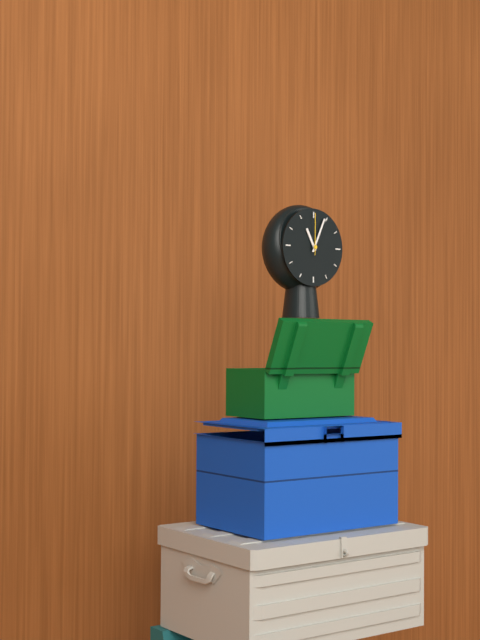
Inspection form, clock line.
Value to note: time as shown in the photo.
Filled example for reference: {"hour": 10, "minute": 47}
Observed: {"hour": 11, "minute": 4}
